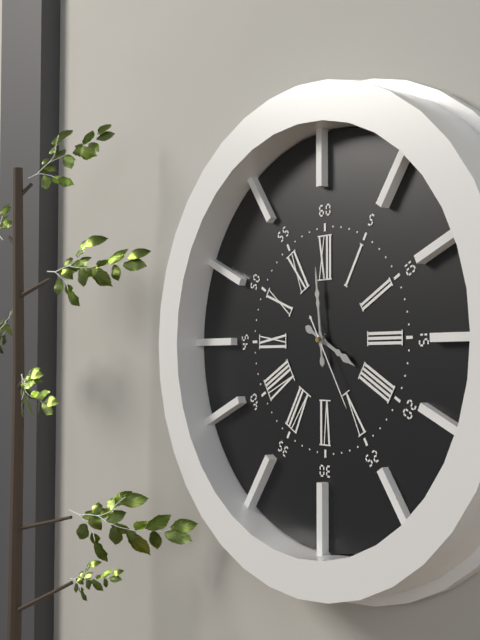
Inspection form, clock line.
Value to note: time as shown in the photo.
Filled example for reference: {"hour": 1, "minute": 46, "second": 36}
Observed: {"hour": 3, "minute": 59, "second": 25}
